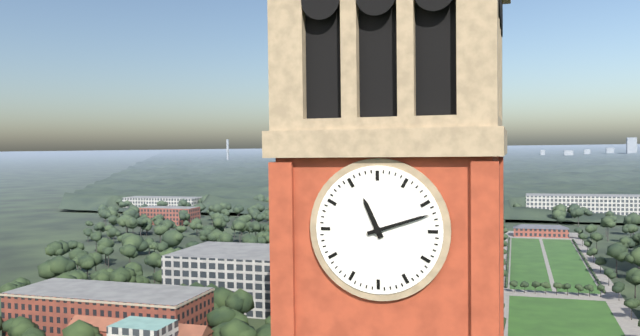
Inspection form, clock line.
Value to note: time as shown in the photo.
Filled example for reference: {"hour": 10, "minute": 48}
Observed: {"hour": 11, "minute": 12}
